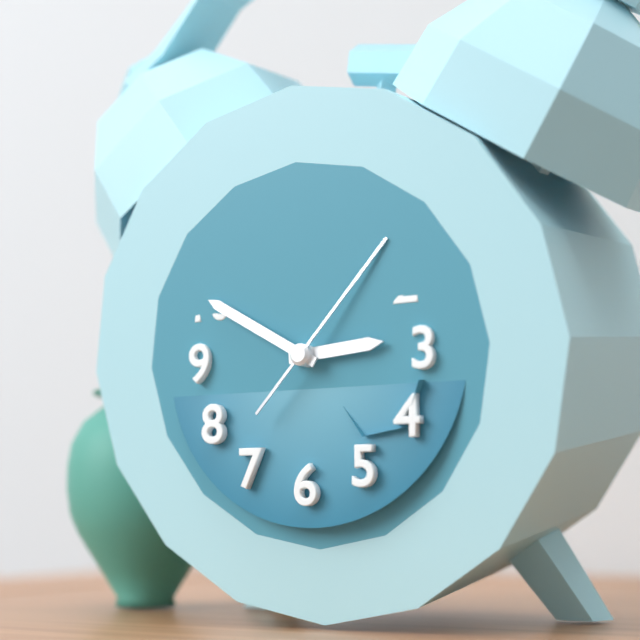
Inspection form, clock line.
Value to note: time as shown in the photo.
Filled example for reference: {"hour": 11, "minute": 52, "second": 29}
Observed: {"hour": 2, "minute": 50, "second": 7}
